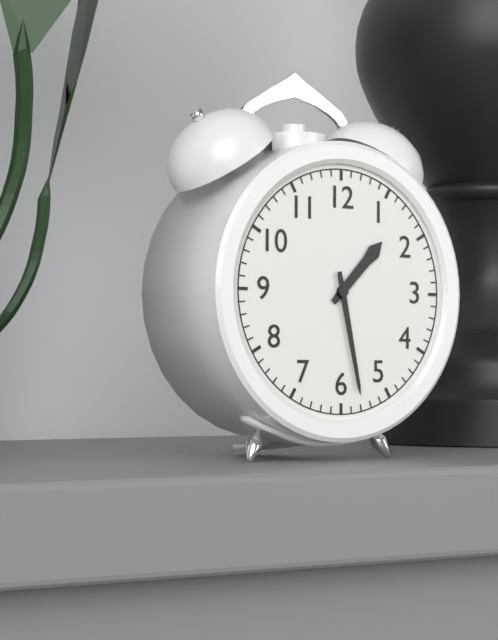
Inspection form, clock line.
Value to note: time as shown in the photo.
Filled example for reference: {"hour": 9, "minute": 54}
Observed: {"hour": 1, "minute": 28}
